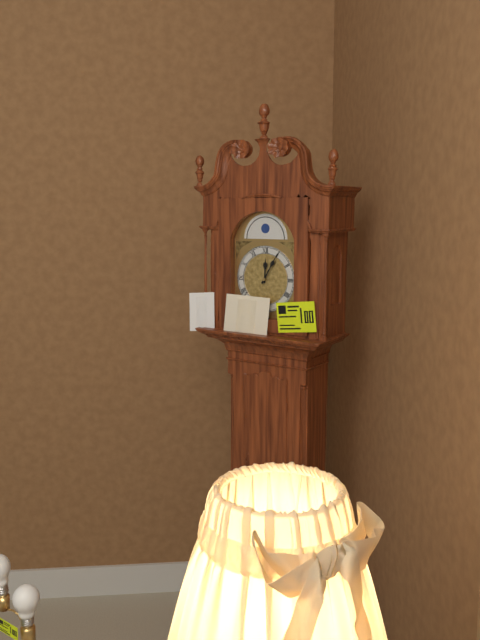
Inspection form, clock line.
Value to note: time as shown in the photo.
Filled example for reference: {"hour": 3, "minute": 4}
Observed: {"hour": 12, "minute": 5}
